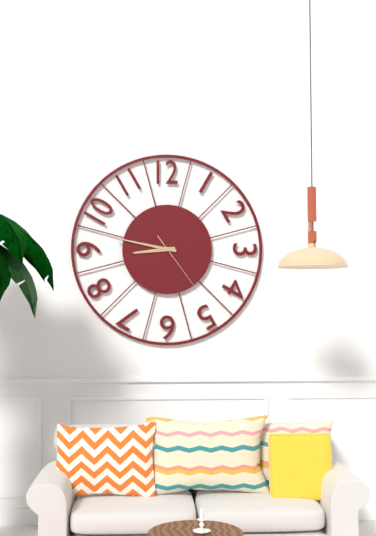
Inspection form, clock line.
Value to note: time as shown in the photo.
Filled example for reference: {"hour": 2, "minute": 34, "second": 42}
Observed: {"hour": 8, "minute": 47, "second": 24}
